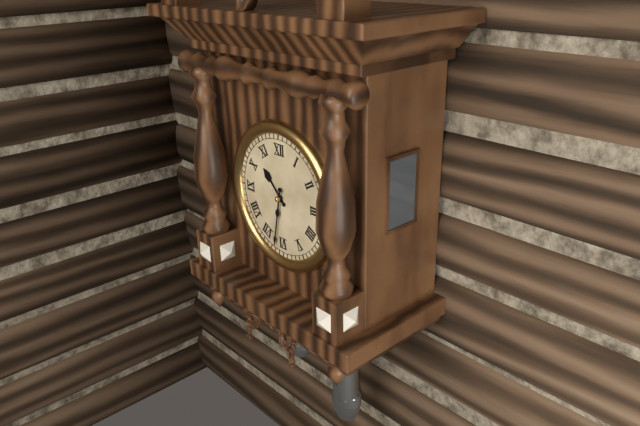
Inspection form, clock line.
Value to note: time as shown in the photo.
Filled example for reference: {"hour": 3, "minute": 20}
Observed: {"hour": 10, "minute": 32}
